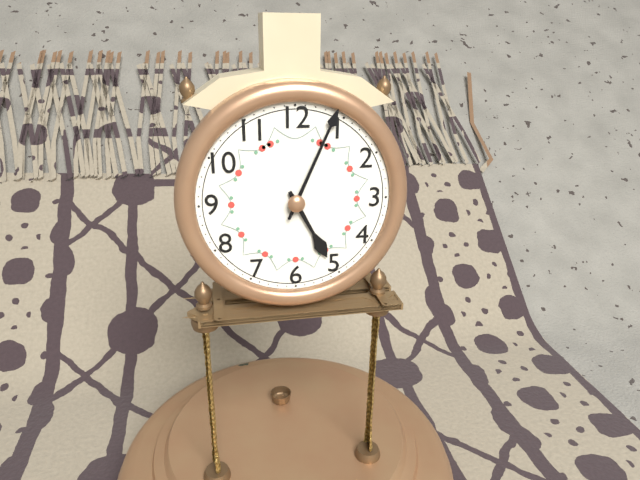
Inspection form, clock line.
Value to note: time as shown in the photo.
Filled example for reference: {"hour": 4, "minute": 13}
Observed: {"hour": 5, "minute": 4}
